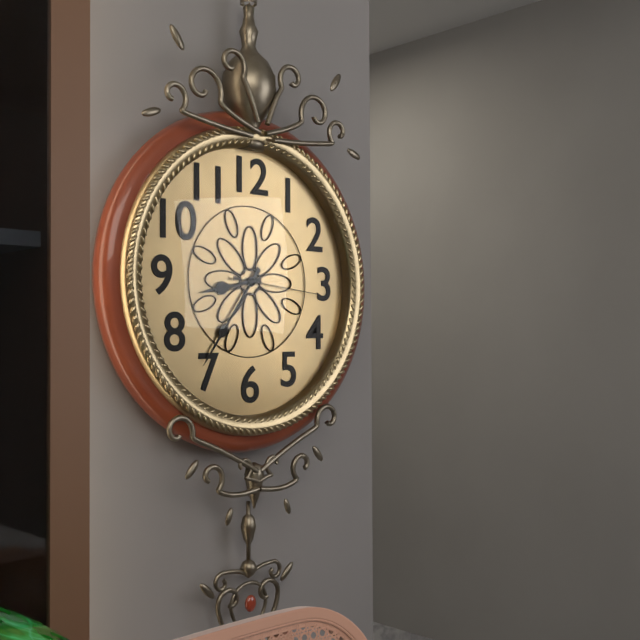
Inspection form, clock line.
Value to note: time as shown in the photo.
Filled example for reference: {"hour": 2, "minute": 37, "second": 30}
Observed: {"hour": 8, "minute": 36, "second": 16}
